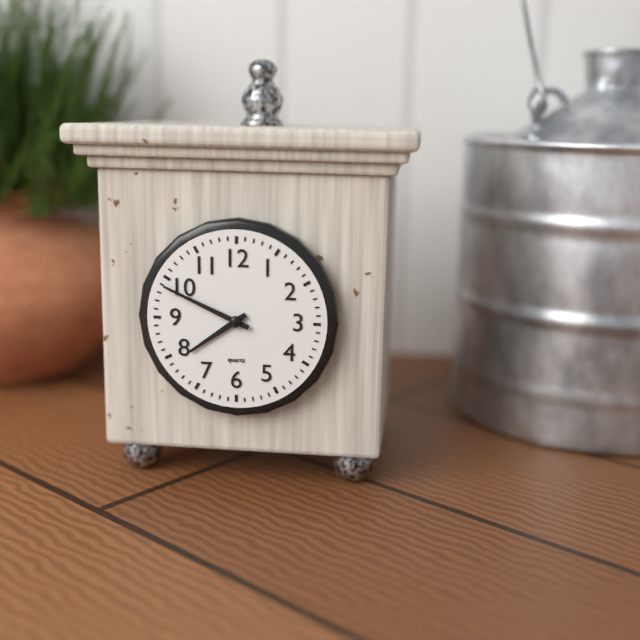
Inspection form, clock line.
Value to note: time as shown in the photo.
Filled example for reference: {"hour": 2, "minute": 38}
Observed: {"hour": 7, "minute": 49}
